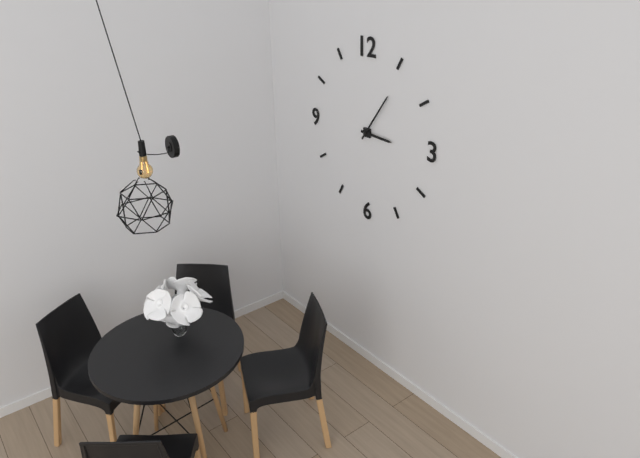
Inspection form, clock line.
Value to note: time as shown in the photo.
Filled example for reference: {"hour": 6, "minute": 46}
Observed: {"hour": 3, "minute": 6}
